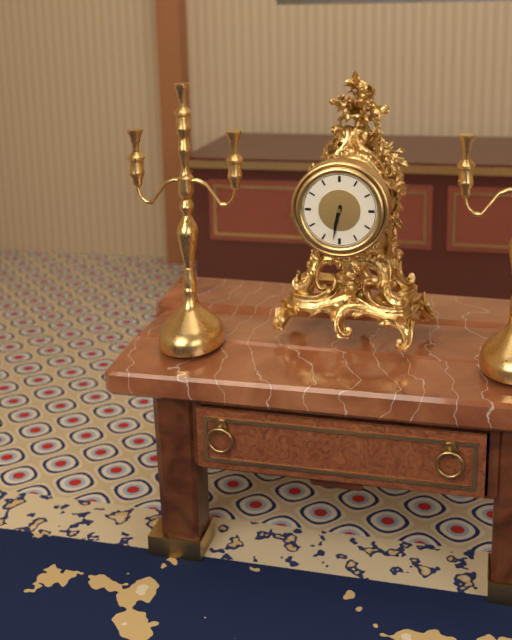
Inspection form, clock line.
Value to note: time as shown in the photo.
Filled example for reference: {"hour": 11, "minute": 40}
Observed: {"hour": 6, "minute": 32}
